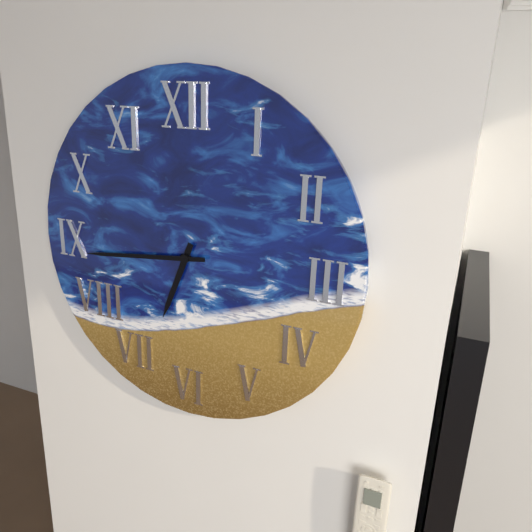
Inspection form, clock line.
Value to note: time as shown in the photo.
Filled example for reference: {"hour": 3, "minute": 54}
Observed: {"hour": 6, "minute": 44}
